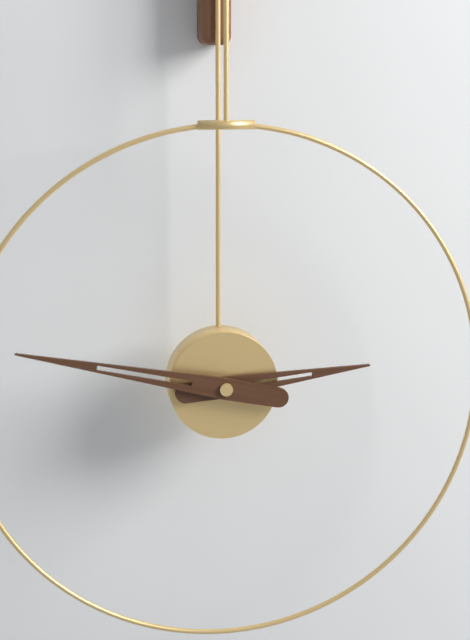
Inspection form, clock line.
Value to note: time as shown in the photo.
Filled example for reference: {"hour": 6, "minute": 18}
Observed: {"hour": 2, "minute": 47}
